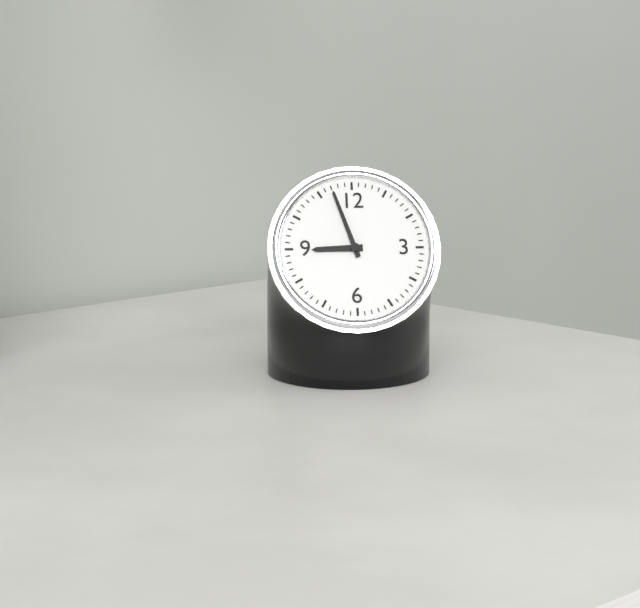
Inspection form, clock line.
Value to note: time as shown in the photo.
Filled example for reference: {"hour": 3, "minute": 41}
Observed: {"hour": 8, "minute": 57}
